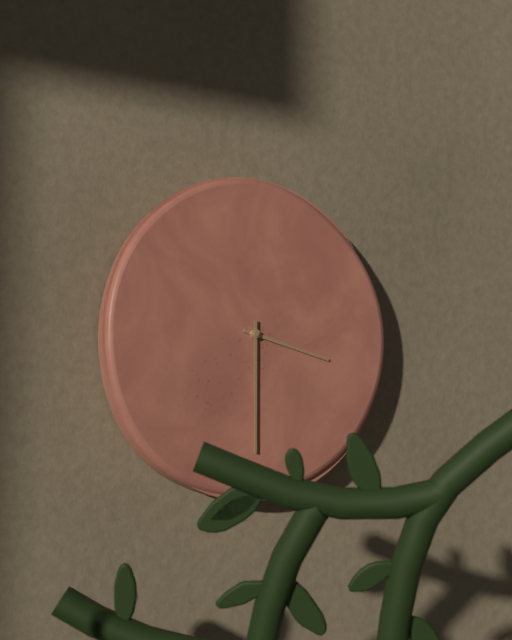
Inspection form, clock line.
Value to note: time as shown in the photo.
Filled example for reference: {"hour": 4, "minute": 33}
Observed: {"hour": 3, "minute": 30}
